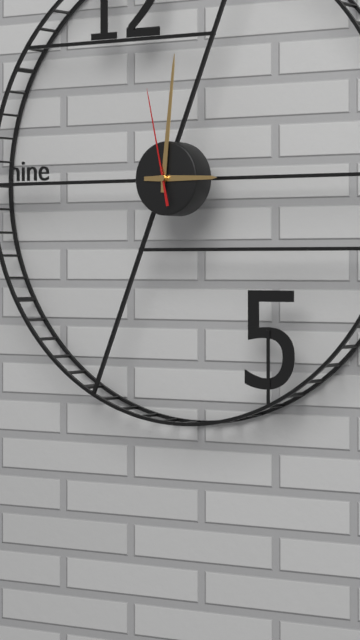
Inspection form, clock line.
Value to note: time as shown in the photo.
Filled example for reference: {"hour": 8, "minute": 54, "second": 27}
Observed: {"hour": 3, "minute": 1, "second": 58}
